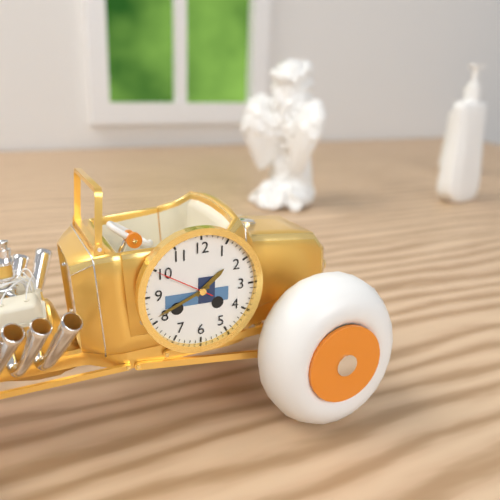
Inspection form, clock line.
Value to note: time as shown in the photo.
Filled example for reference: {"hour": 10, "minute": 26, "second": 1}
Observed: {"hour": 1, "minute": 41, "second": 50}
